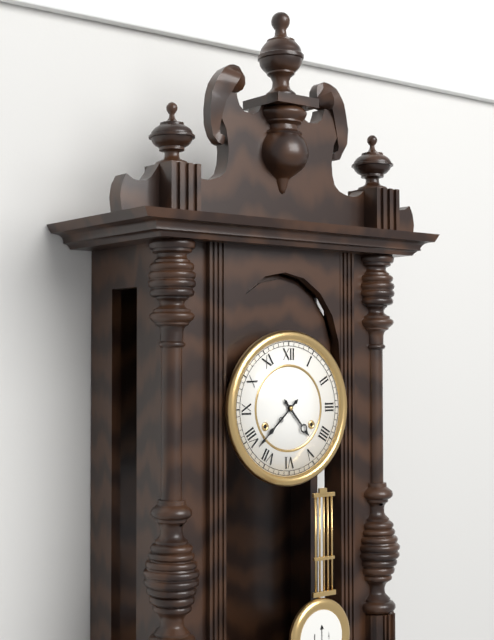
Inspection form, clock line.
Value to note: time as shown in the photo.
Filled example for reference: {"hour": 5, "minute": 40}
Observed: {"hour": 4, "minute": 38}
